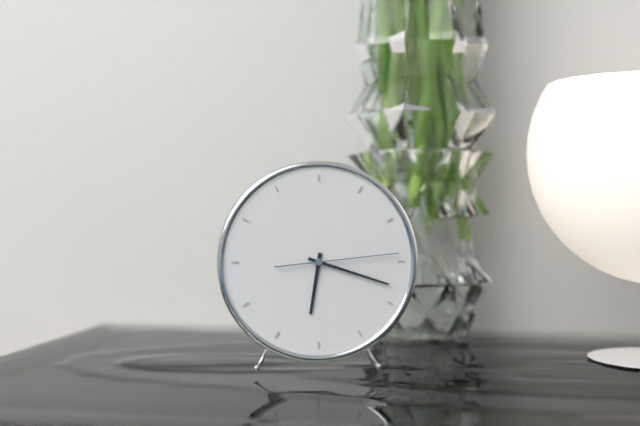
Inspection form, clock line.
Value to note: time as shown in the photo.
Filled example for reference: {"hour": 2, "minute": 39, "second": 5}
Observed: {"hour": 6, "minute": 18, "second": 14}
